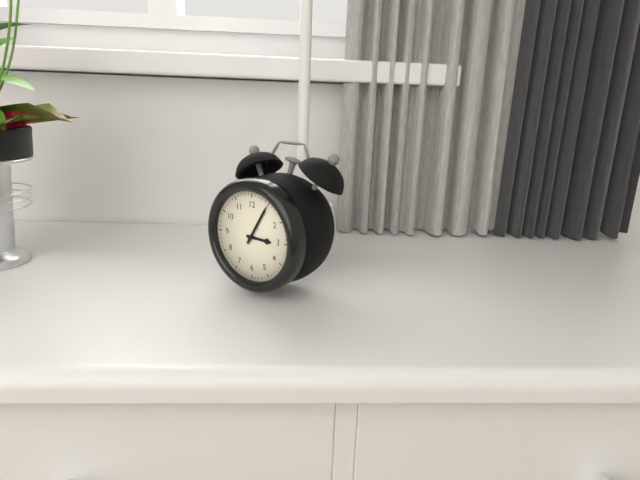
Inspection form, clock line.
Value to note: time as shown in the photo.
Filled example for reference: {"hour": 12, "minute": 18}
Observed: {"hour": 3, "minute": 5}
